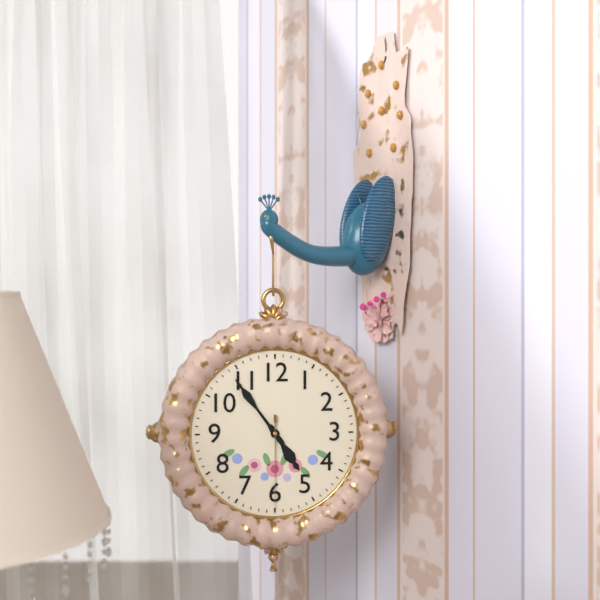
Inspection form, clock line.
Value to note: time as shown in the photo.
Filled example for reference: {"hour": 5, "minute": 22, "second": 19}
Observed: {"hour": 4, "minute": 54, "second": 30}
